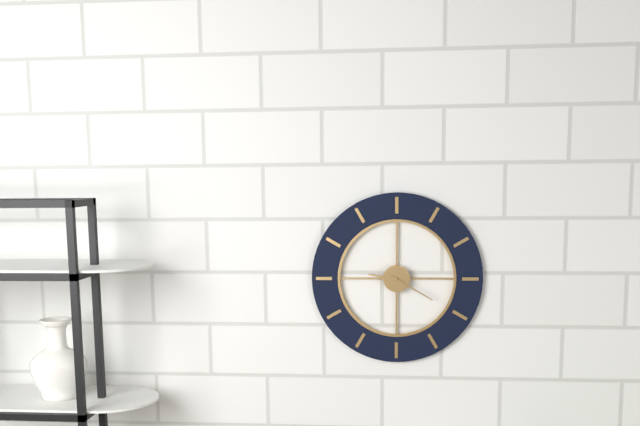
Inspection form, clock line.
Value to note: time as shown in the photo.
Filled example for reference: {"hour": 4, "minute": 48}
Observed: {"hour": 9, "minute": 20}
